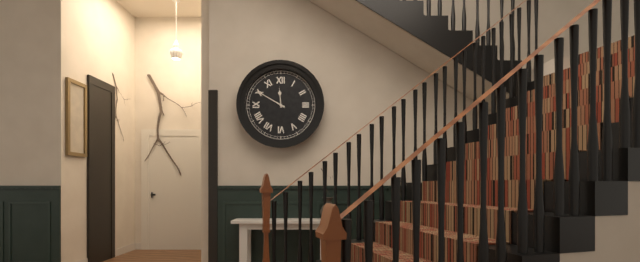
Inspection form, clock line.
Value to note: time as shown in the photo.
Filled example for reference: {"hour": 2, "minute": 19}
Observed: {"hour": 11, "minute": 50}
